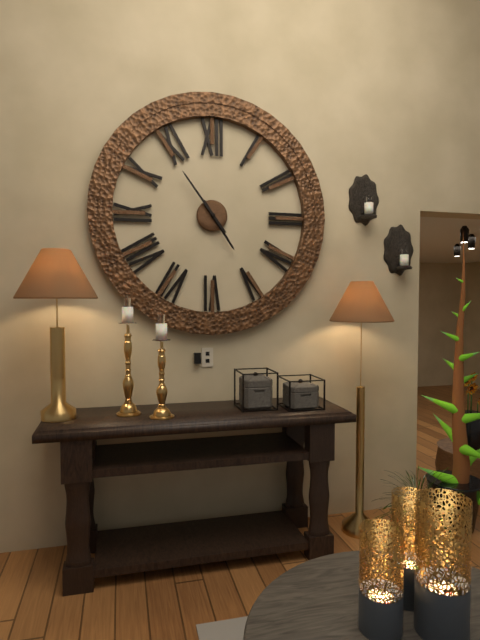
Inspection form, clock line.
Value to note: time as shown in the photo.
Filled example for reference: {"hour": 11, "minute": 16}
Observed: {"hour": 4, "minute": 54}
